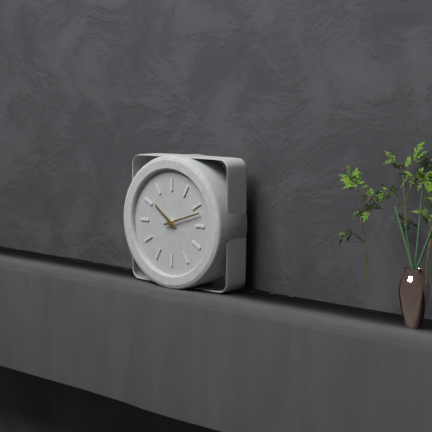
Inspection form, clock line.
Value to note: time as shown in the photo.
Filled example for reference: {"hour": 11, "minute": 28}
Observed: {"hour": 10, "minute": 12}
